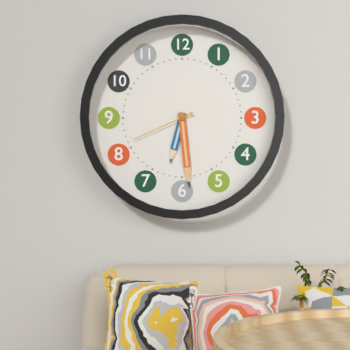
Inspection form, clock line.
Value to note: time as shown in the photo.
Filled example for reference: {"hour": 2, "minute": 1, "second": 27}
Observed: {"hour": 6, "minute": 29, "second": 41}
